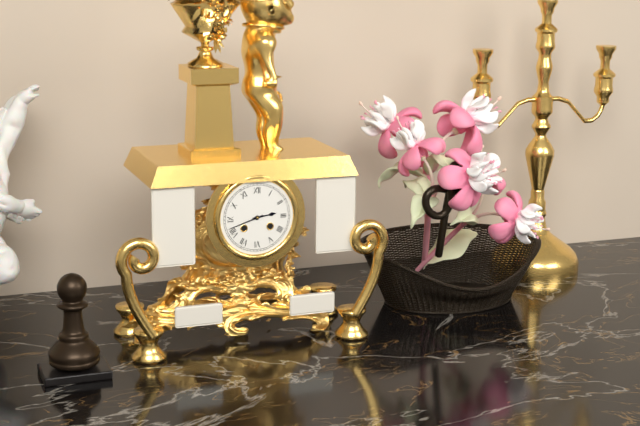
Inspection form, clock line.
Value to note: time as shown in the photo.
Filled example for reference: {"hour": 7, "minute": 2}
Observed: {"hour": 2, "minute": 42}
